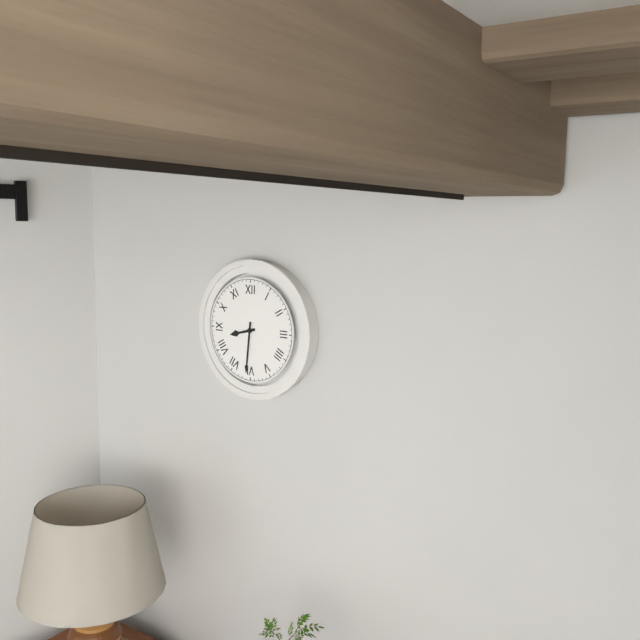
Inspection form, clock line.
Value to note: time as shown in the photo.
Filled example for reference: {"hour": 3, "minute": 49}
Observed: {"hour": 8, "minute": 31}
